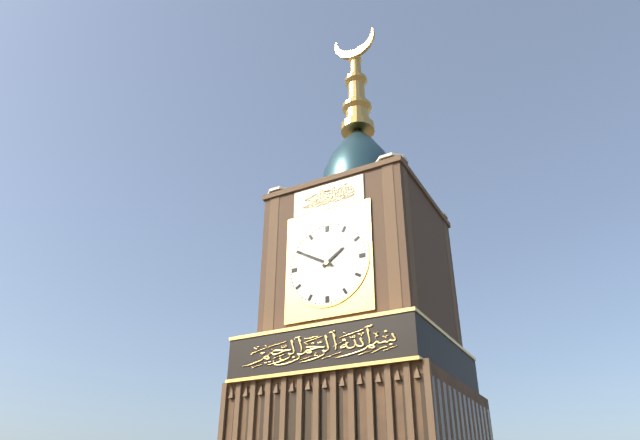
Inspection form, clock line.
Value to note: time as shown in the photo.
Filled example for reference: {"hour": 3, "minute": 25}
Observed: {"hour": 1, "minute": 50}
